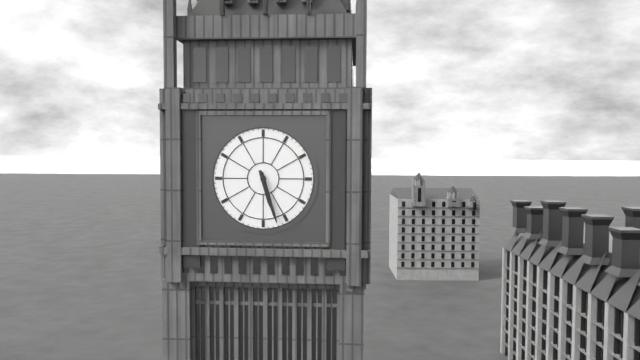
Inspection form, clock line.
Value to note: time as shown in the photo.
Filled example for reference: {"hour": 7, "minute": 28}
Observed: {"hour": 5, "minute": 27}
